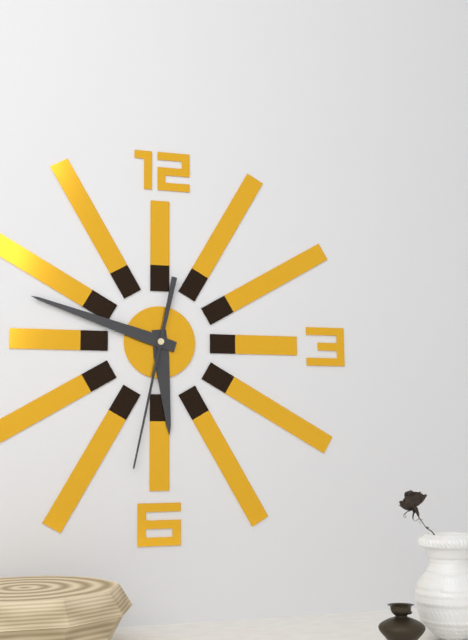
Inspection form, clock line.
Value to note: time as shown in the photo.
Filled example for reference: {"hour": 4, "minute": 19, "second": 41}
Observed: {"hour": 5, "minute": 48, "second": 32}
